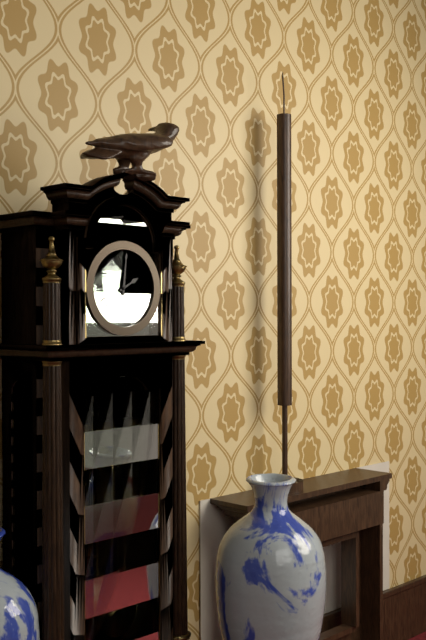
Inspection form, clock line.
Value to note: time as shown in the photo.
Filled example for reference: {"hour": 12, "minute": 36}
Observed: {"hour": 2, "minute": 1}
